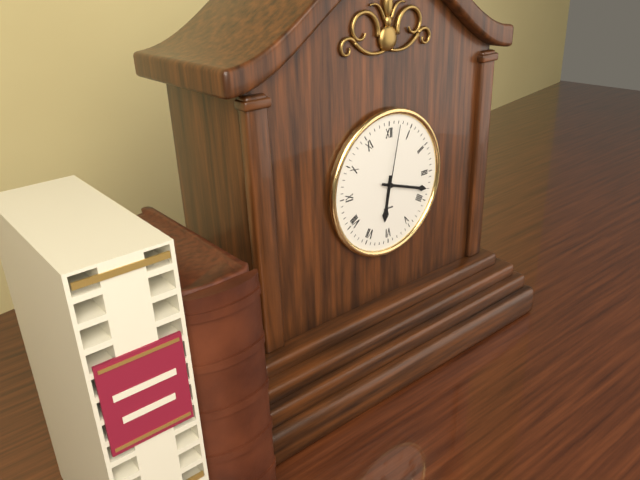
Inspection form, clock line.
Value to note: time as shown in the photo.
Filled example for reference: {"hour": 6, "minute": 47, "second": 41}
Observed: {"hour": 6, "minute": 18, "second": 2}
